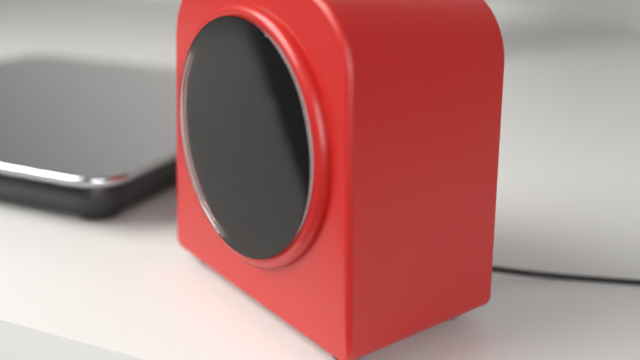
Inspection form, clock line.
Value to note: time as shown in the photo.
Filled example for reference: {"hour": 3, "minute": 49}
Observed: {"hour": 1, "minute": 11}
